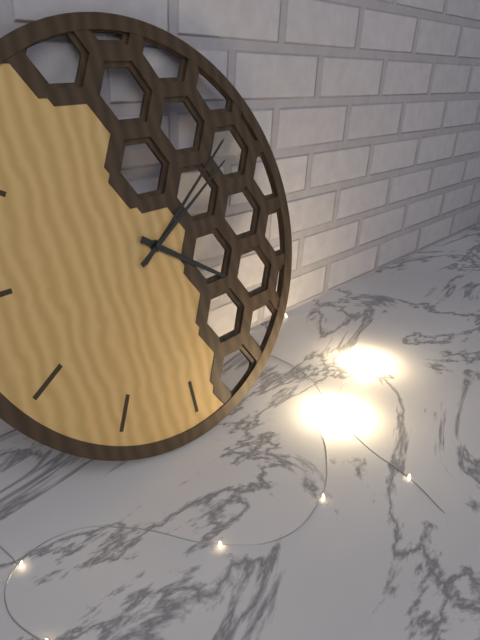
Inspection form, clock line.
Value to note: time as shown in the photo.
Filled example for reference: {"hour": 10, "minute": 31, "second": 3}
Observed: {"hour": 4, "minute": 9, "second": 10}
